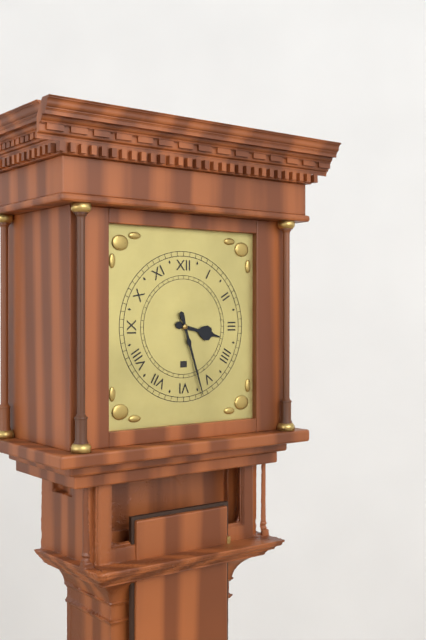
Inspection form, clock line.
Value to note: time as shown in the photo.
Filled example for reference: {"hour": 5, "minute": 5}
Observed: {"hour": 3, "minute": 27}
